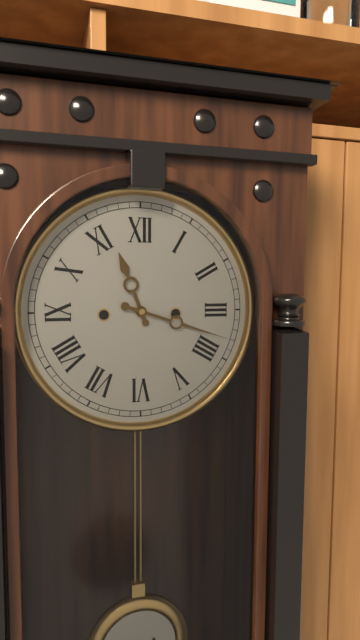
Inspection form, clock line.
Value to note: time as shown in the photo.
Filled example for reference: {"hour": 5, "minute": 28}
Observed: {"hour": 11, "minute": 18}
